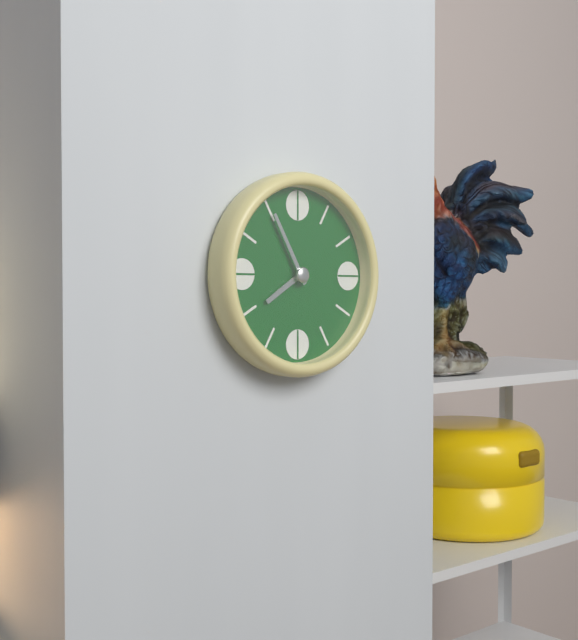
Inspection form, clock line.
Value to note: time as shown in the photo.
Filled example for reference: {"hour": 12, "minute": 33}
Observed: {"hour": 7, "minute": 55}
